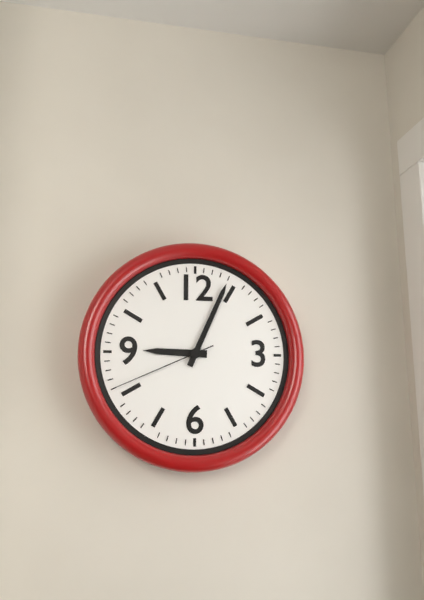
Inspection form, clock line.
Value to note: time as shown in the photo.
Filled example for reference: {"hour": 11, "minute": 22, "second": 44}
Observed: {"hour": 9, "minute": 4, "second": 41}
